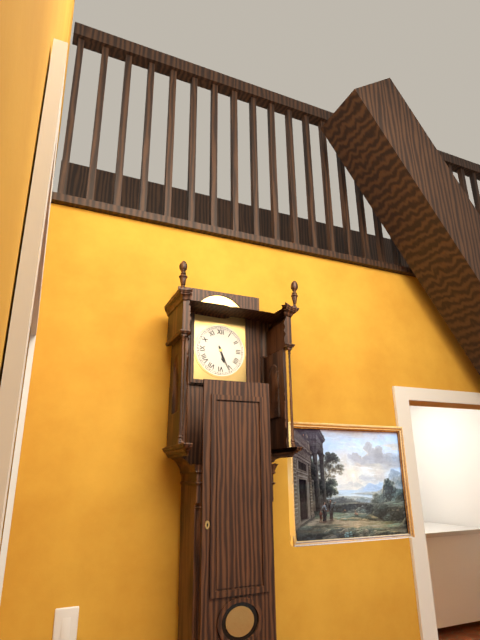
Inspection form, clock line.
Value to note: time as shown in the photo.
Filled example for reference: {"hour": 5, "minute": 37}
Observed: {"hour": 5, "minute": 26}
